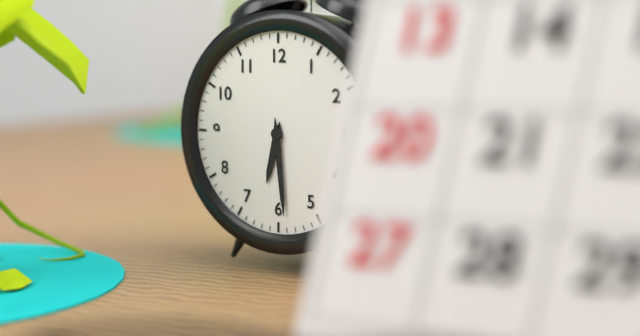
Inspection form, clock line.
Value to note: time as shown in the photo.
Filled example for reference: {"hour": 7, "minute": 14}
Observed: {"hour": 6, "minute": 29}
